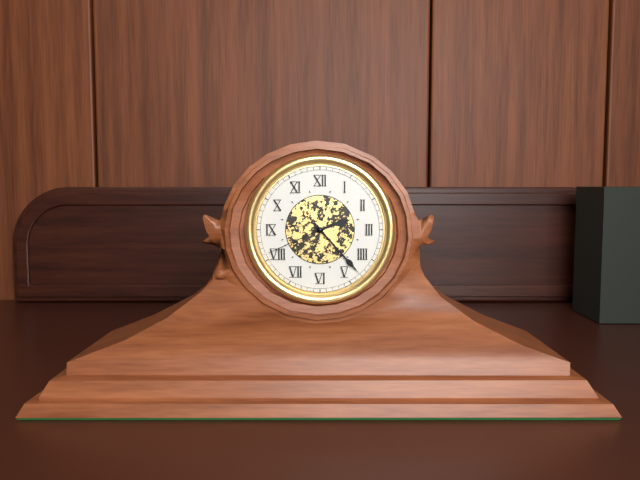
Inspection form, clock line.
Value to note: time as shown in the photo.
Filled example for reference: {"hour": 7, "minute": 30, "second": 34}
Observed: {"hour": 2, "minute": 23, "second": 41}
